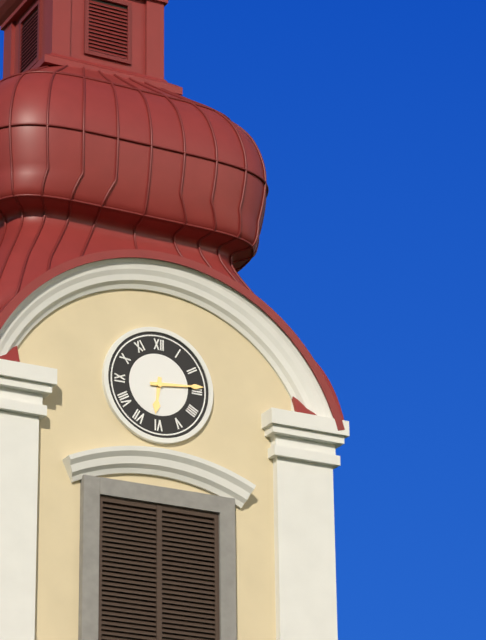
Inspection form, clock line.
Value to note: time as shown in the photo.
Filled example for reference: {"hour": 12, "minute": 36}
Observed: {"hour": 6, "minute": 14}
